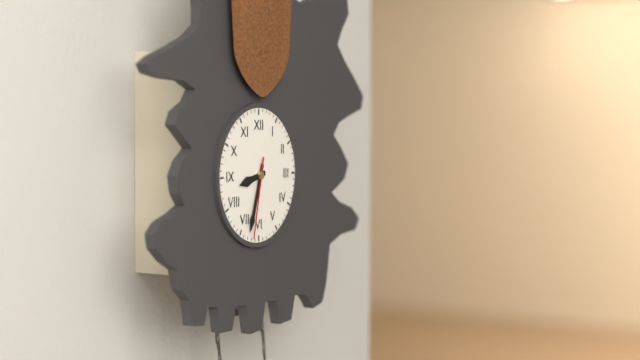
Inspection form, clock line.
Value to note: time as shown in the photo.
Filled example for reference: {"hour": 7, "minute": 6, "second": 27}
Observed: {"hour": 8, "minute": 33, "second": 32}
